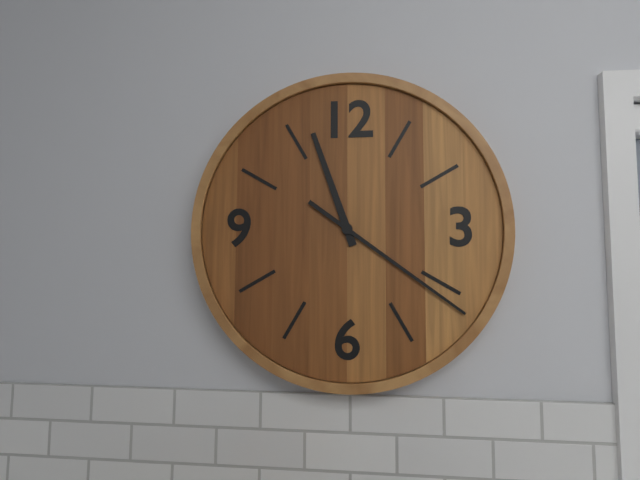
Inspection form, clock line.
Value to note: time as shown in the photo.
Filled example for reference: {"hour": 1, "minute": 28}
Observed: {"hour": 11, "minute": 21}
